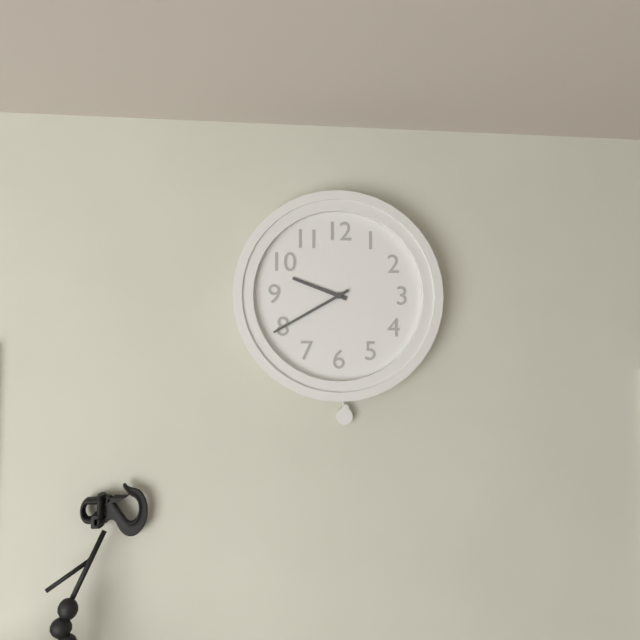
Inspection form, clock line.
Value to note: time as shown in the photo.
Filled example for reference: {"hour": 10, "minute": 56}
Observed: {"hour": 9, "minute": 40}
